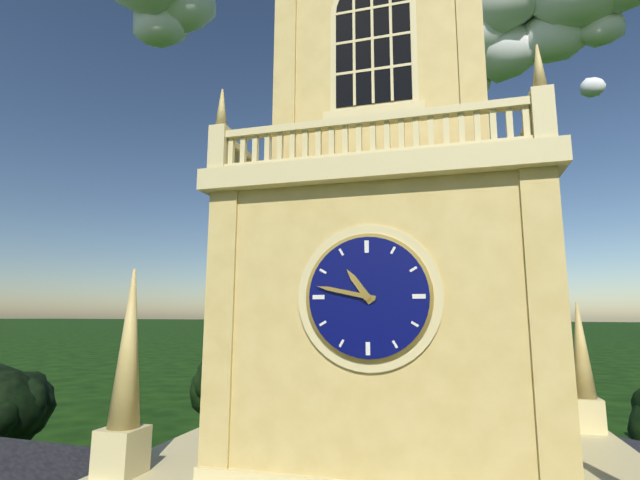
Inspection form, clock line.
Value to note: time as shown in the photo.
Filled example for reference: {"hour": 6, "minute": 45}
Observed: {"hour": 10, "minute": 47}
